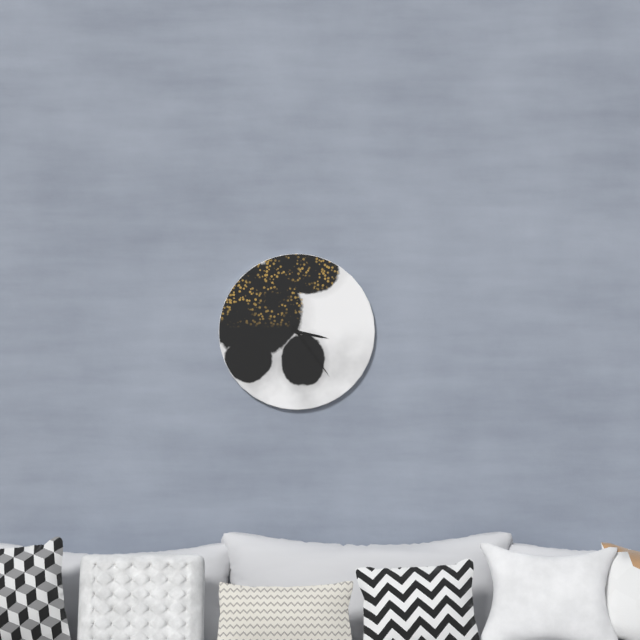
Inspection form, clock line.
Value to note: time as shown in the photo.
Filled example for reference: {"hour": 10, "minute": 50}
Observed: {"hour": 3, "minute": 24}
